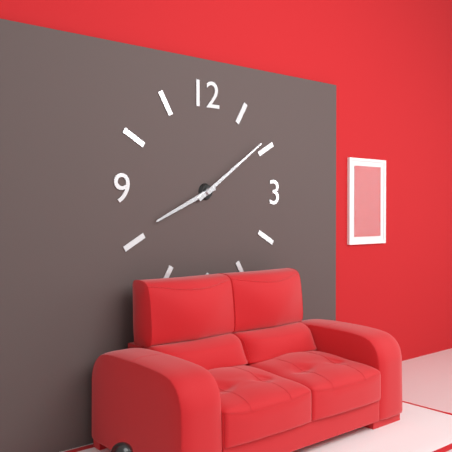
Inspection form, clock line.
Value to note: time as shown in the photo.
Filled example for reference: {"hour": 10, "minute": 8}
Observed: {"hour": 8, "minute": 9}
